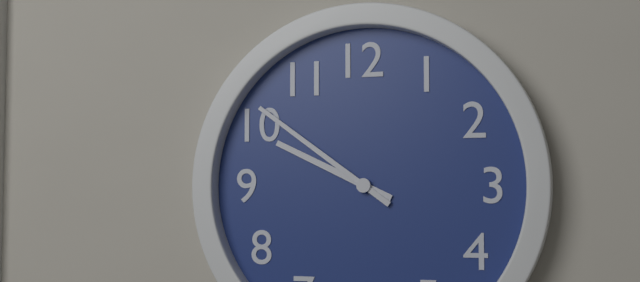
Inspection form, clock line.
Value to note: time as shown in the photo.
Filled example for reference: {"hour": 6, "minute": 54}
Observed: {"hour": 9, "minute": 51}
